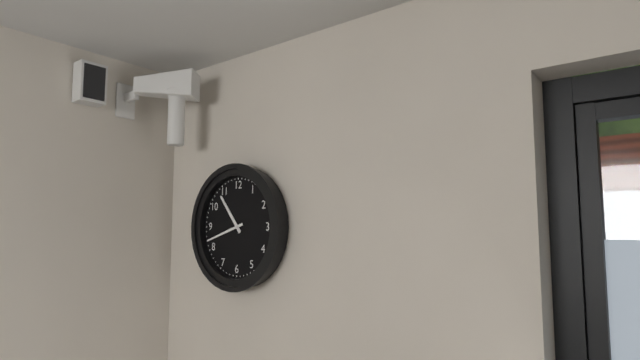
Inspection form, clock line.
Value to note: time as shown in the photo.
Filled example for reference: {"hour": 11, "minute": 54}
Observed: {"hour": 10, "minute": 42}
